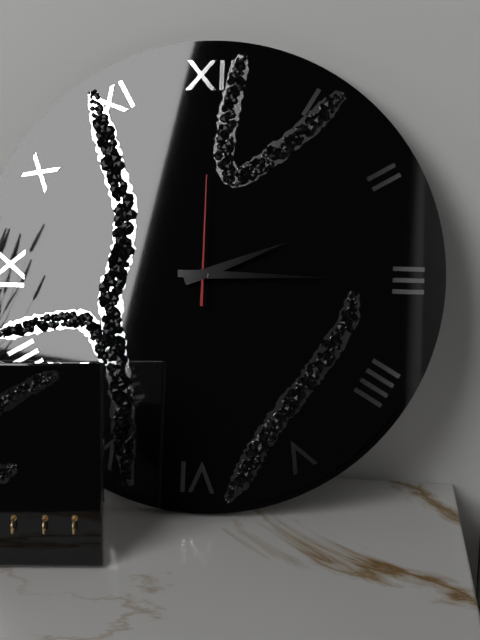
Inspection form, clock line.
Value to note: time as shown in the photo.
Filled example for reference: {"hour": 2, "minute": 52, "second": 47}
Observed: {"hour": 2, "minute": 15, "second": 0}
